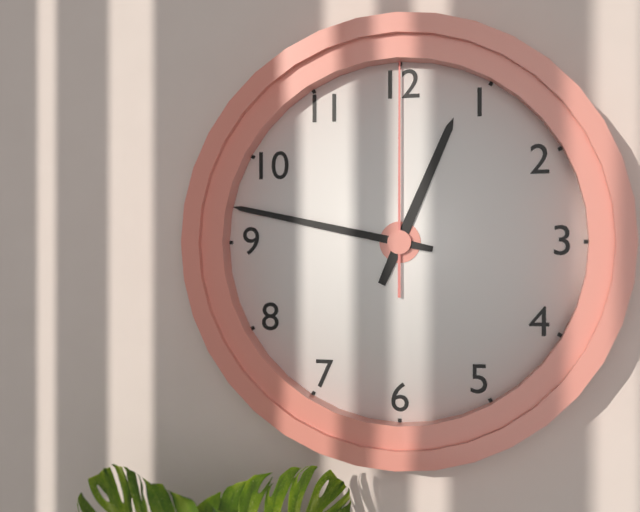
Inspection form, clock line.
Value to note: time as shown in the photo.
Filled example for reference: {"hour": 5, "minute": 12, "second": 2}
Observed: {"hour": 12, "minute": 47, "second": 0}
